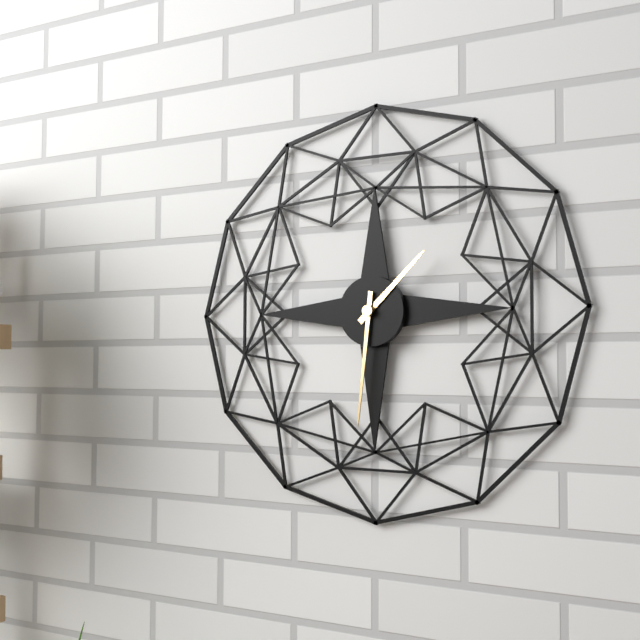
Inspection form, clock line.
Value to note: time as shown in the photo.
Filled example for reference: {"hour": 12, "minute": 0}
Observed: {"hour": 1, "minute": 31}
